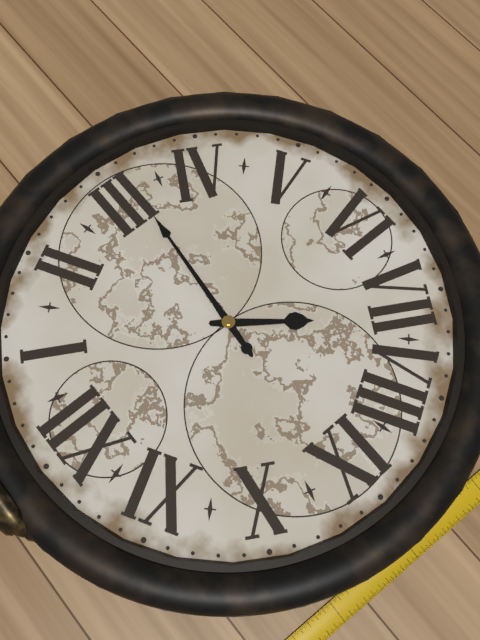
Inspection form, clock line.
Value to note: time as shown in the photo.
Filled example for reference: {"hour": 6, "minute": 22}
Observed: {"hour": 7, "minute": 16}
